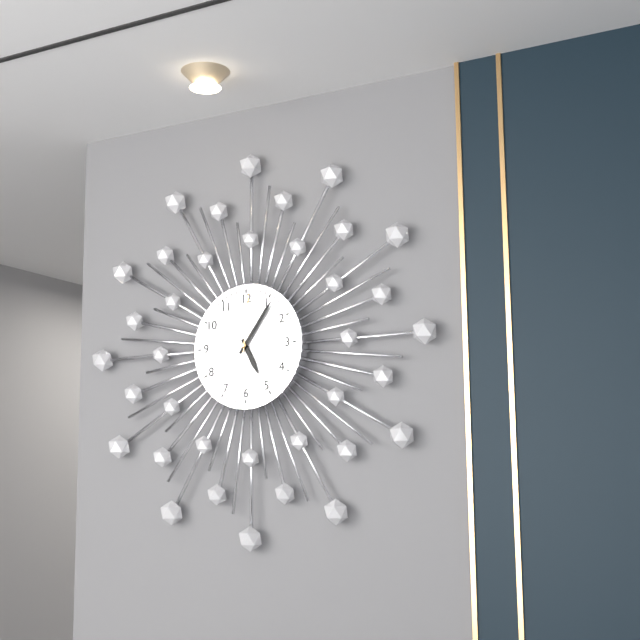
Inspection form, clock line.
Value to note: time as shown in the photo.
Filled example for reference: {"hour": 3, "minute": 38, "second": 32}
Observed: {"hour": 5, "minute": 6, "second": 1}
